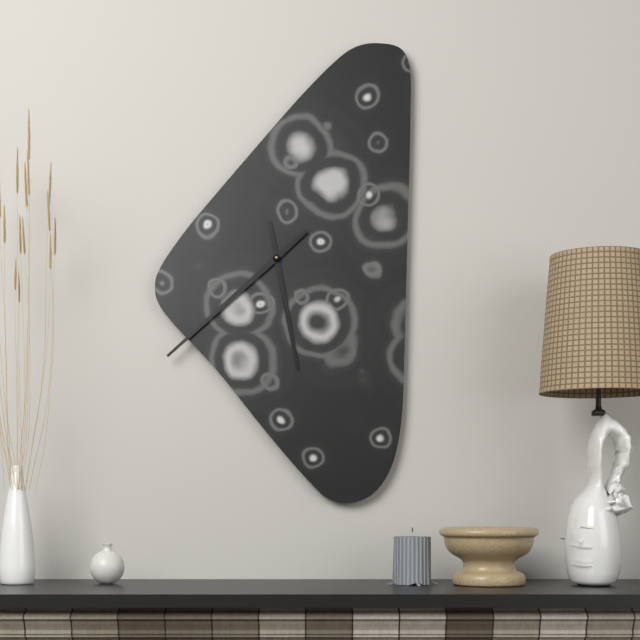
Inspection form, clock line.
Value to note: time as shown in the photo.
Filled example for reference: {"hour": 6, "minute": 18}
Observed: {"hour": 5, "minute": 38}
